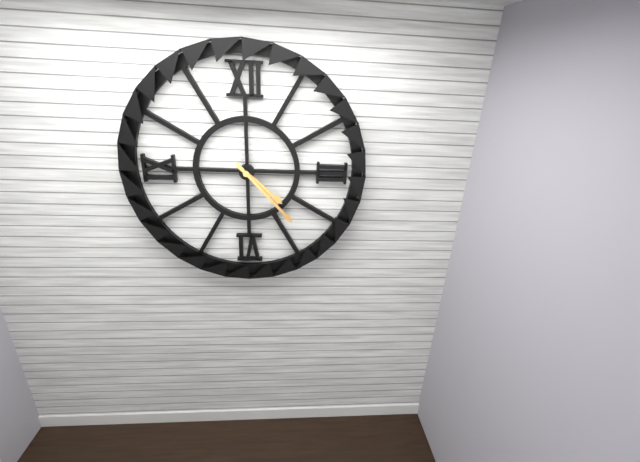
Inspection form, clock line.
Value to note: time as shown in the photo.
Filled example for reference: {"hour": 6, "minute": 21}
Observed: {"hour": 4, "minute": 23}
